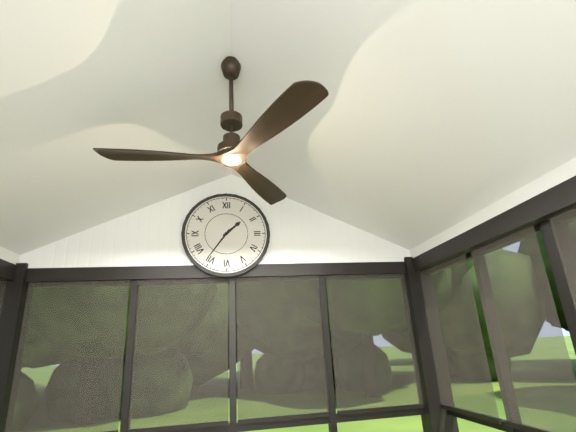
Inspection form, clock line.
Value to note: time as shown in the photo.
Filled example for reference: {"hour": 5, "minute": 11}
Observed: {"hour": 1, "minute": 36}
